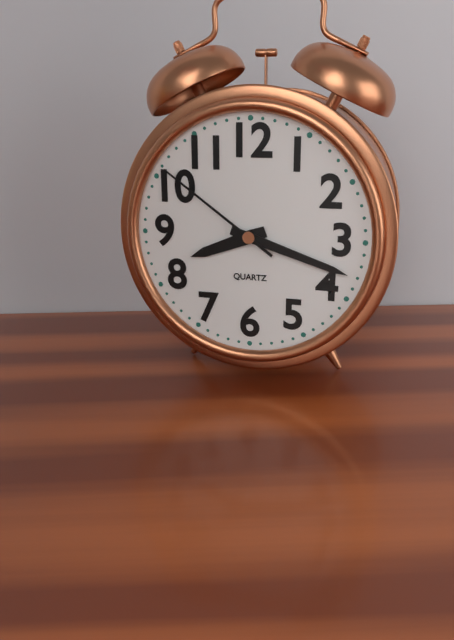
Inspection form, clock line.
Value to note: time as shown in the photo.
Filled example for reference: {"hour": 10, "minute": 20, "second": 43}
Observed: {"hour": 8, "minute": 18, "second": 51}
